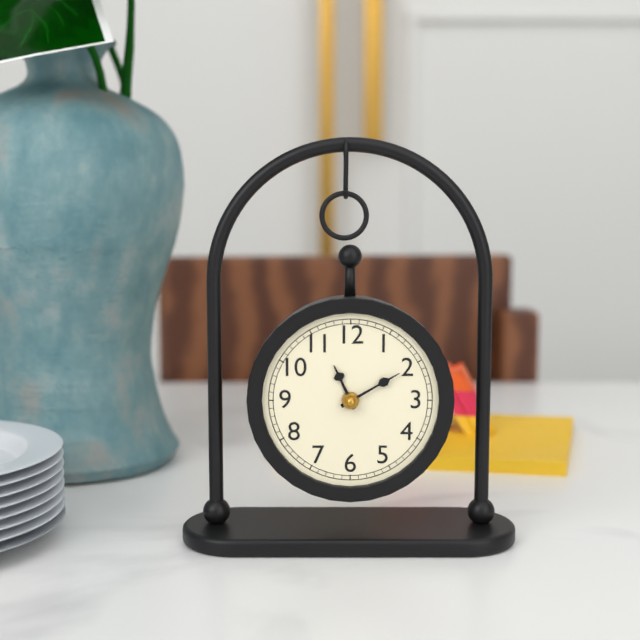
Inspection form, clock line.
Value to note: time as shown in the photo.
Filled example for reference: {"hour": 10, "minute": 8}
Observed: {"hour": 11, "minute": 10}
